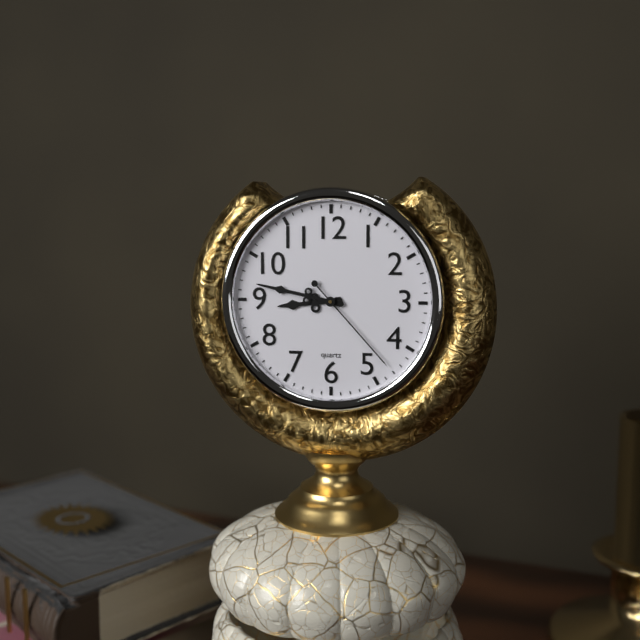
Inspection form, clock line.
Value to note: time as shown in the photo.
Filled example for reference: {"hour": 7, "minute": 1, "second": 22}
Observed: {"hour": 8, "minute": 47, "second": 23}
